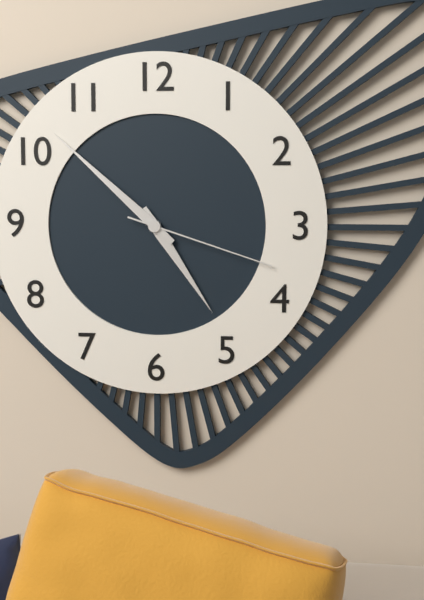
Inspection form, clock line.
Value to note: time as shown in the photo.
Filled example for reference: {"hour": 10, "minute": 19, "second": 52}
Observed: {"hour": 4, "minute": 52, "second": 18}
